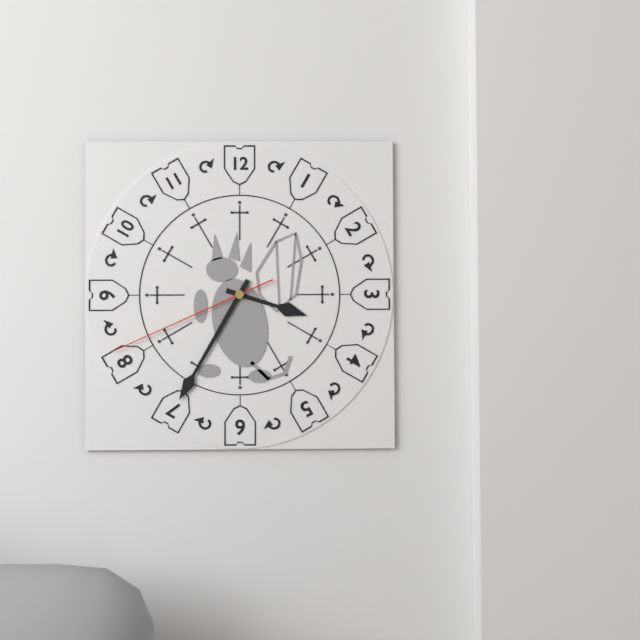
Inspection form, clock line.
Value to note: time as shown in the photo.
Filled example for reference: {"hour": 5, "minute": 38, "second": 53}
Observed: {"hour": 3, "minute": 35, "second": 41}
